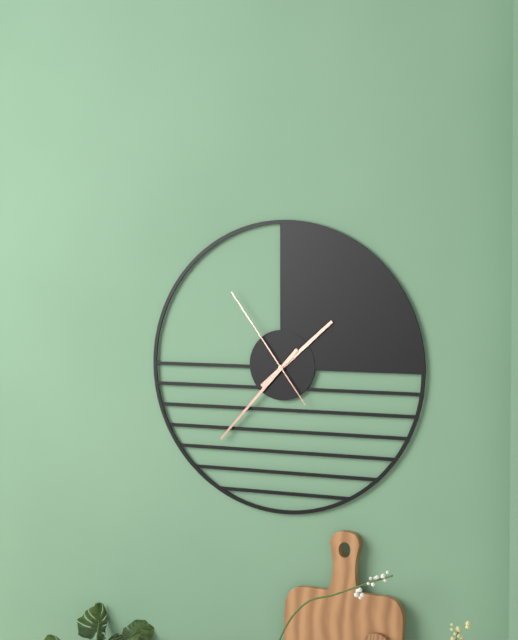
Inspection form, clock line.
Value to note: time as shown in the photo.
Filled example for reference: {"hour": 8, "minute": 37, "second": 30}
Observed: {"hour": 1, "minute": 37, "second": 54}
